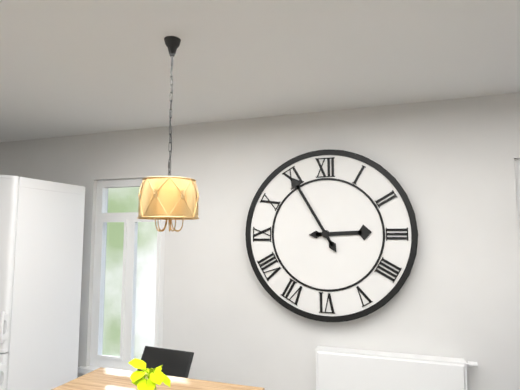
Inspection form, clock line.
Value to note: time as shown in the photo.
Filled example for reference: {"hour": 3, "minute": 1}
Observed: {"hour": 2, "minute": 55}
